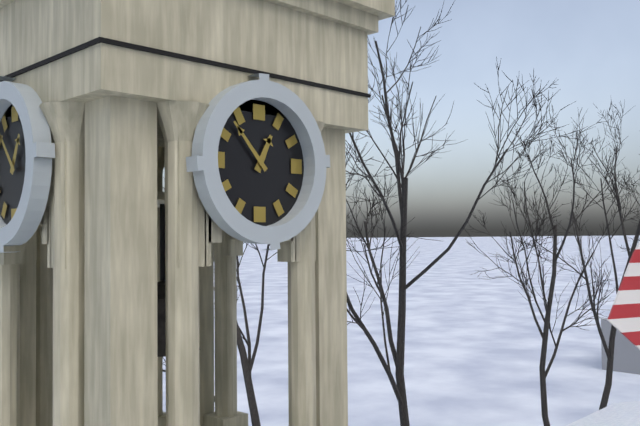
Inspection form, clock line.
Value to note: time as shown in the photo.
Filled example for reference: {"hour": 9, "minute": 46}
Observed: {"hour": 12, "minute": 53}
